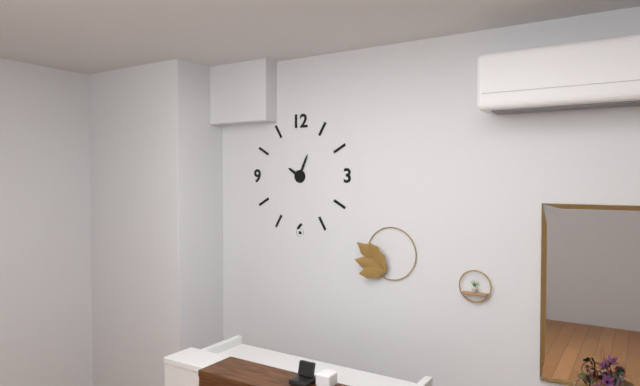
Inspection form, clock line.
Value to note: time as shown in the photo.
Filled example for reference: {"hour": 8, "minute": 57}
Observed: {"hour": 10, "minute": 4}
